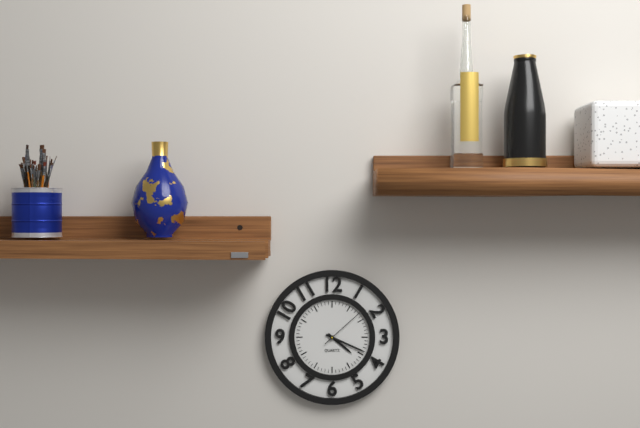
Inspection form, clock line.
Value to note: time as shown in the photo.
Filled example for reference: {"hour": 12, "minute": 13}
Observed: {"hour": 4, "minute": 19}
